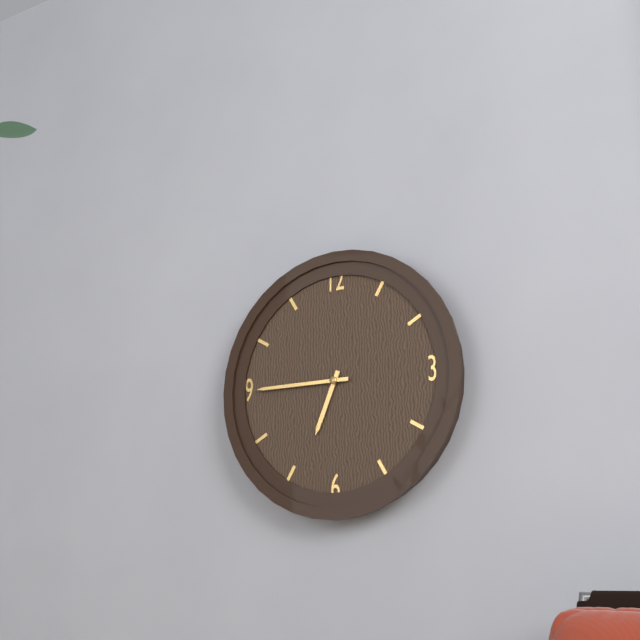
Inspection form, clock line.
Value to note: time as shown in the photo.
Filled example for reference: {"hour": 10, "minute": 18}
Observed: {"hour": 6, "minute": 45}
